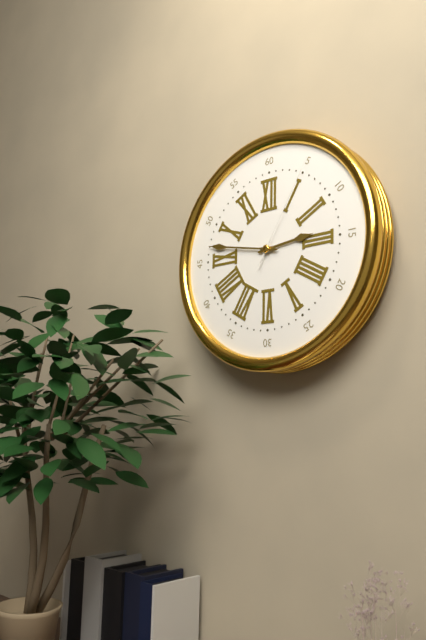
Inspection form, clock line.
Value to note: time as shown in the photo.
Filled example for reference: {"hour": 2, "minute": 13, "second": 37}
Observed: {"hour": 2, "minute": 47, "second": 5}
